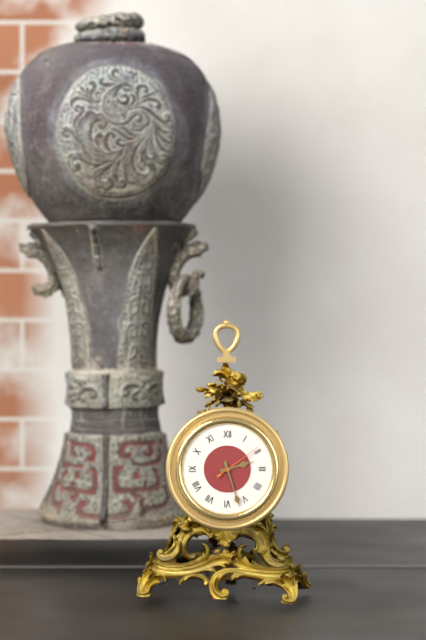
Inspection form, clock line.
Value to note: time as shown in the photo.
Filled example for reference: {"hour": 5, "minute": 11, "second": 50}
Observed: {"hour": 2, "minute": 27, "second": 9}
